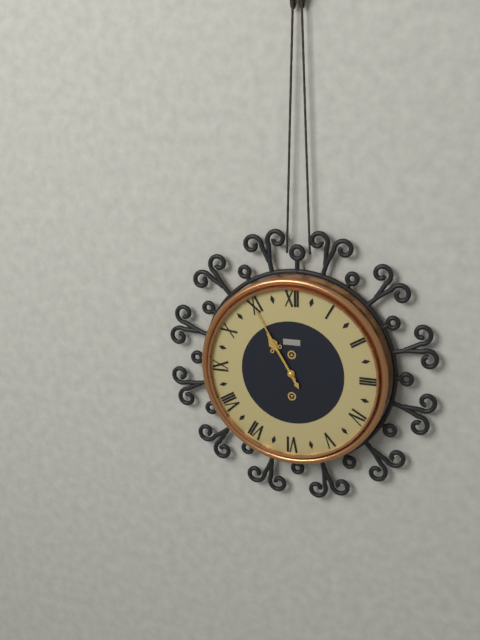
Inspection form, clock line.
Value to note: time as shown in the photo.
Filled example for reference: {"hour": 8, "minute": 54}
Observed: {"hour": 10, "minute": 55}
